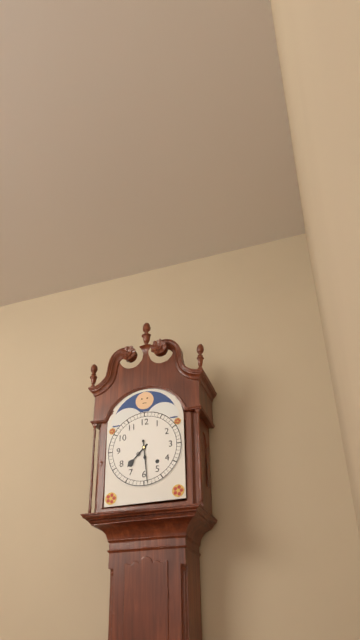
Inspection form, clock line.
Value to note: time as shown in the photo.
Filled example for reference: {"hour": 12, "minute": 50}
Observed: {"hour": 7, "minute": 29}
